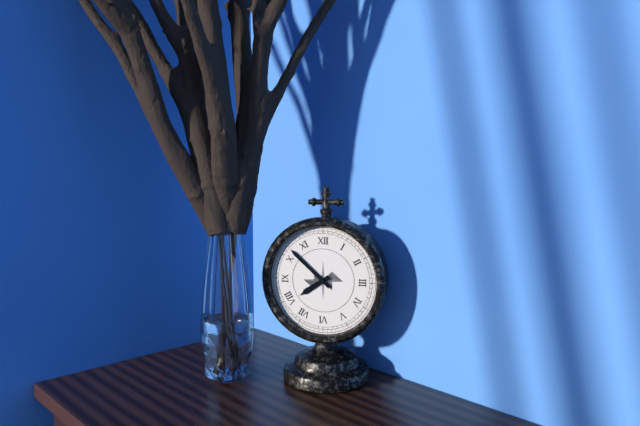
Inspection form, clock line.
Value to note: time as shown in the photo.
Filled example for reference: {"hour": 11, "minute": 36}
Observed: {"hour": 7, "minute": 52}
